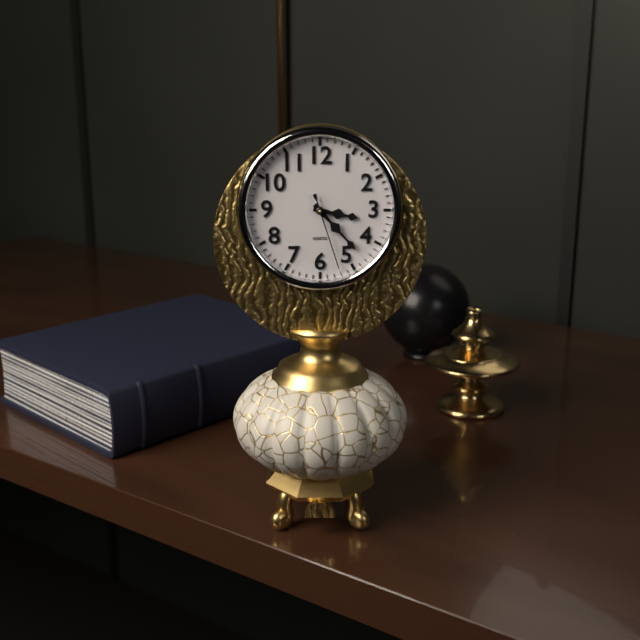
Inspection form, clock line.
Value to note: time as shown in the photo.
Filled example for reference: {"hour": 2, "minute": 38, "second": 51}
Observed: {"hour": 3, "minute": 23, "second": 27}
